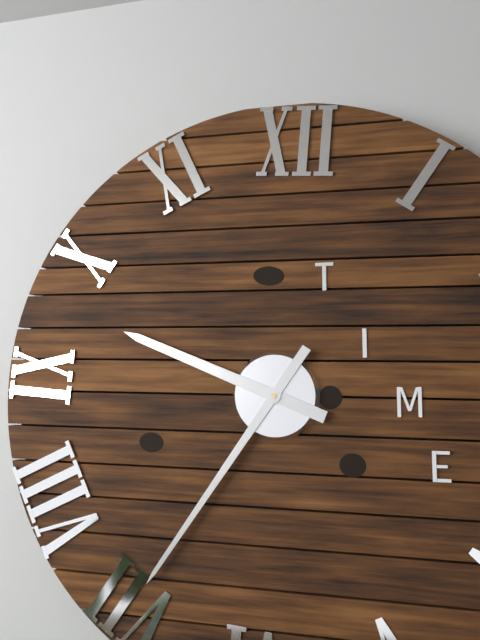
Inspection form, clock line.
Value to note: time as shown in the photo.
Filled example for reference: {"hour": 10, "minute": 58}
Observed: {"hour": 9, "minute": 35}
